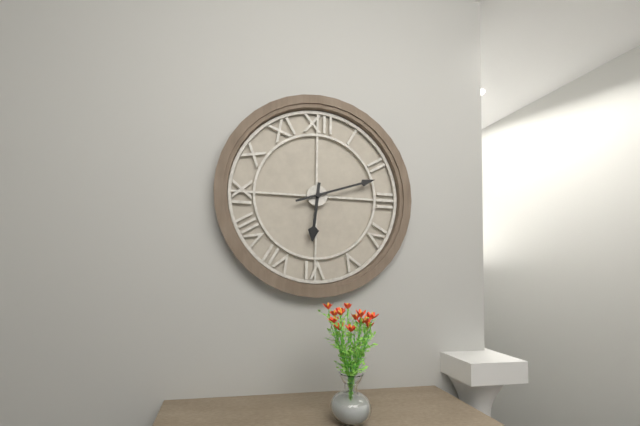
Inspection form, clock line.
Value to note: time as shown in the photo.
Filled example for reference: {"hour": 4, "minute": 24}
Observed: {"hour": 6, "minute": 12}
